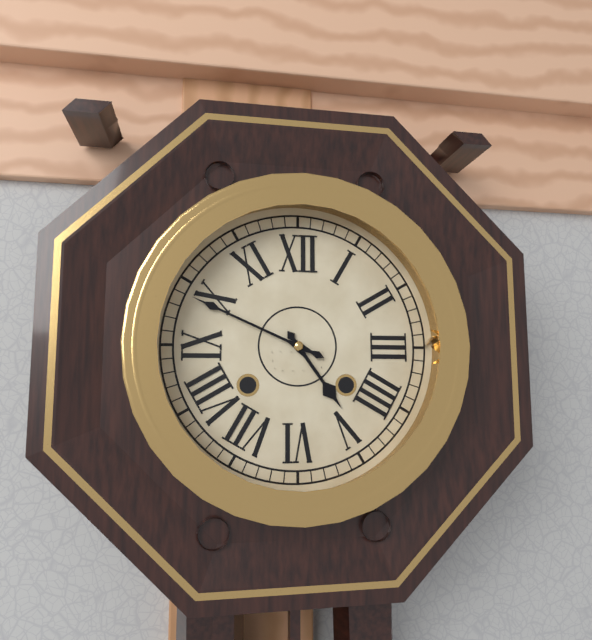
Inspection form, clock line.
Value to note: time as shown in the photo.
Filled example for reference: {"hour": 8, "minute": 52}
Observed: {"hour": 4, "minute": 49}
